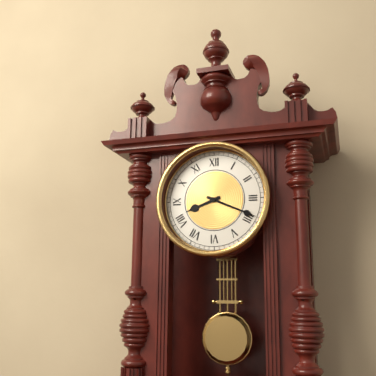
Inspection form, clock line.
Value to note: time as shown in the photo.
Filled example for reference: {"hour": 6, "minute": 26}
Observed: {"hour": 8, "minute": 19}
